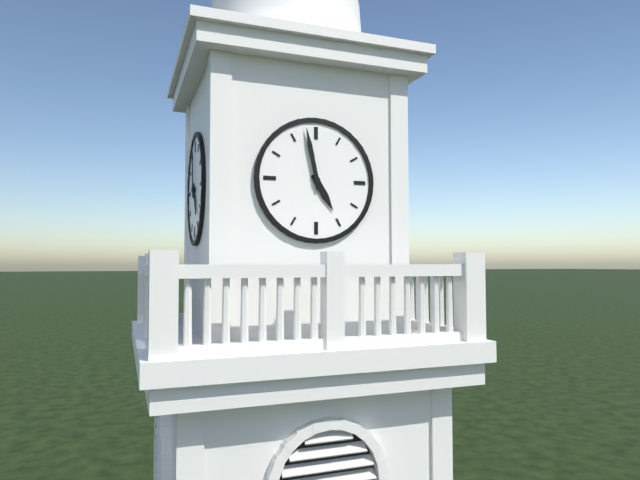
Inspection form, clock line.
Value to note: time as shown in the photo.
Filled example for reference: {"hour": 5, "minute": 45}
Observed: {"hour": 4, "minute": 58}
